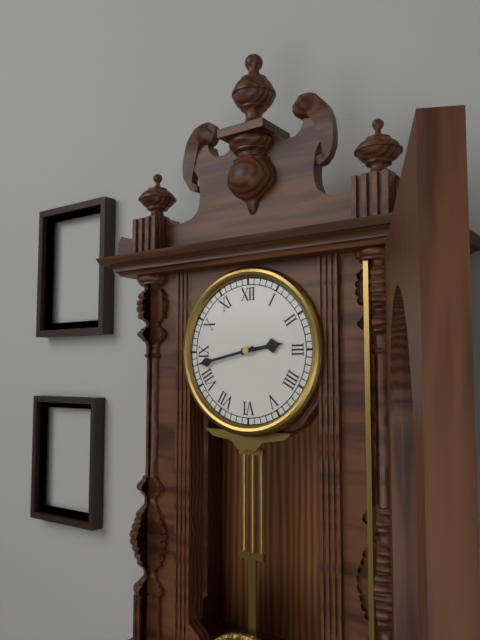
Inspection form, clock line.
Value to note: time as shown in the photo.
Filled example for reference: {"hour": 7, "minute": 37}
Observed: {"hour": 2, "minute": 43}
